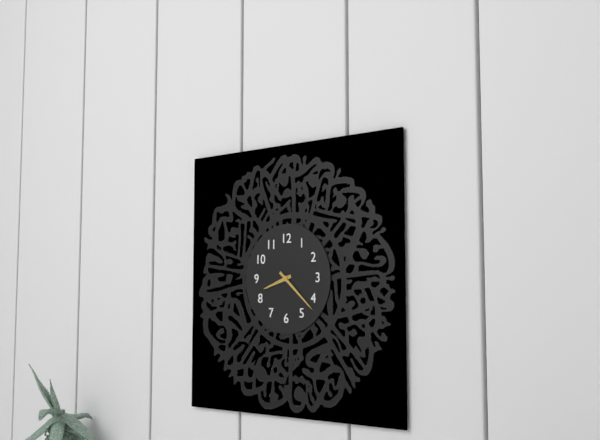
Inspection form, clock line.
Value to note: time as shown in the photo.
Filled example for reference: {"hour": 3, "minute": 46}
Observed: {"hour": 8, "minute": 22}
